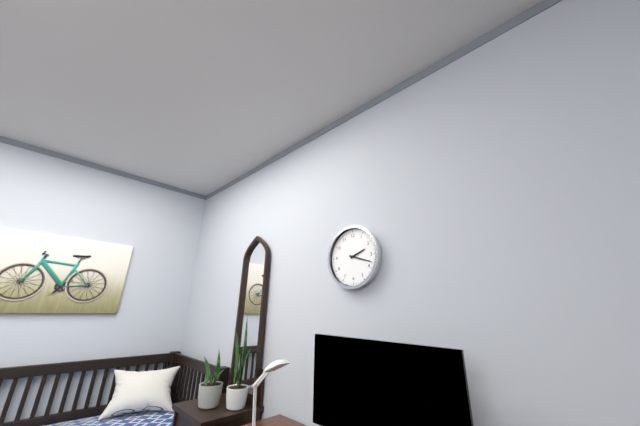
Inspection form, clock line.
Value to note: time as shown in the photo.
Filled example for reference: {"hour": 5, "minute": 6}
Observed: {"hour": 2, "minute": 18}
